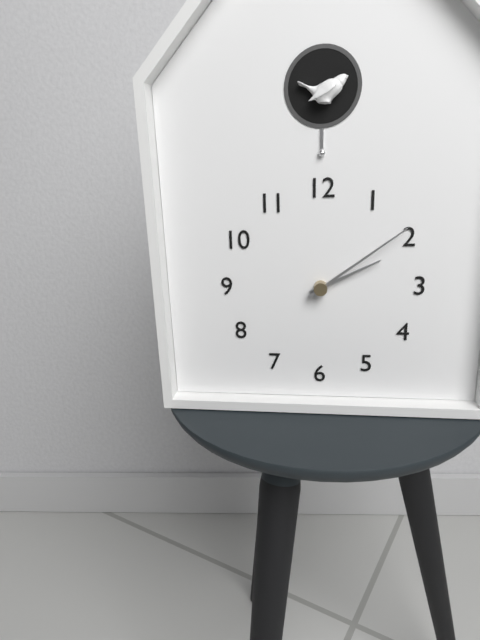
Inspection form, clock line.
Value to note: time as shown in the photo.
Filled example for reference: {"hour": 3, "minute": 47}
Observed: {"hour": 2, "minute": 9}
